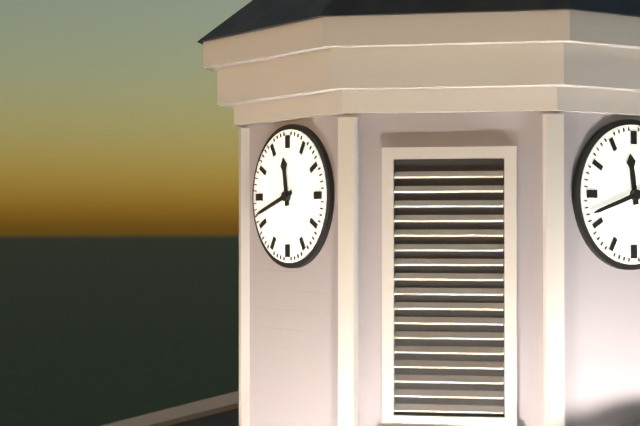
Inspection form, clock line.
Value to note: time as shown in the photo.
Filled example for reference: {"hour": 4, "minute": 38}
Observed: {"hour": 11, "minute": 42}
